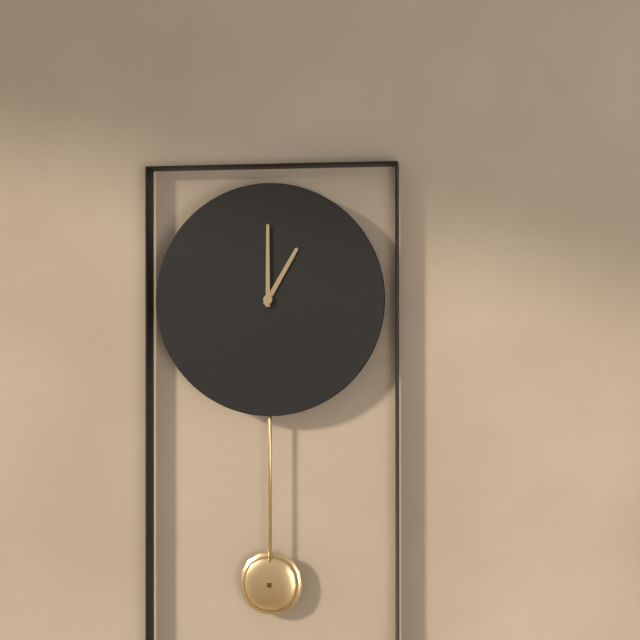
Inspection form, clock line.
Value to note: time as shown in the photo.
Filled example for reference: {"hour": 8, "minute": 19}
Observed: {"hour": 1, "minute": 0}
